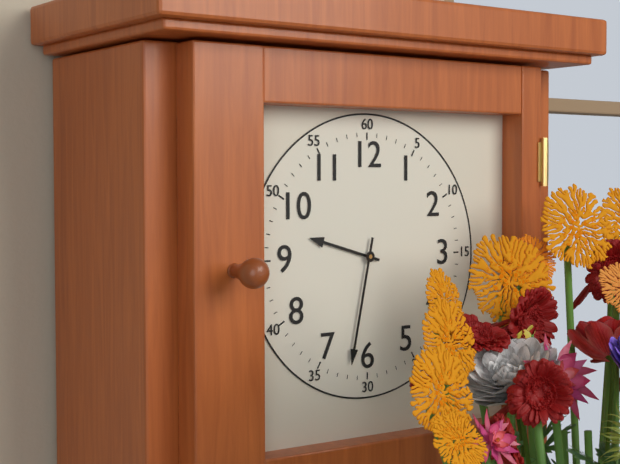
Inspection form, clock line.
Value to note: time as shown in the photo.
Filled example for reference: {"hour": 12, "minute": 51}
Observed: {"hour": 9, "minute": 32}
